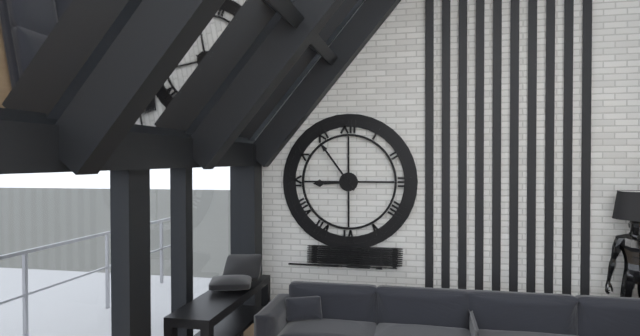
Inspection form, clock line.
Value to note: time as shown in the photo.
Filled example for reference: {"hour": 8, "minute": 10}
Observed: {"hour": 8, "minute": 54}
